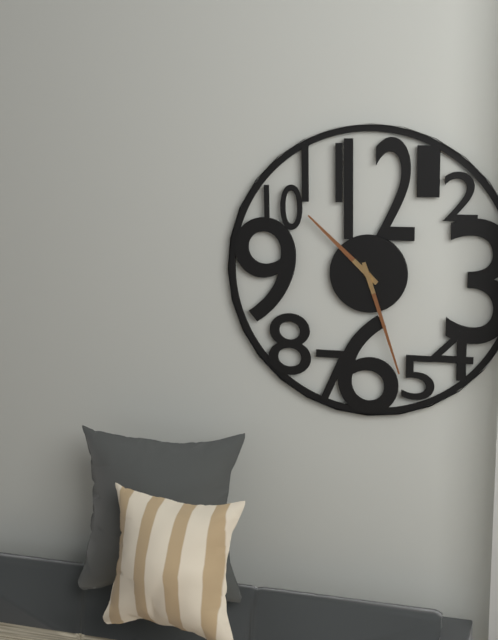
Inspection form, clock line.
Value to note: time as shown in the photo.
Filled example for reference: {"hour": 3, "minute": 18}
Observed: {"hour": 10, "minute": 27}
